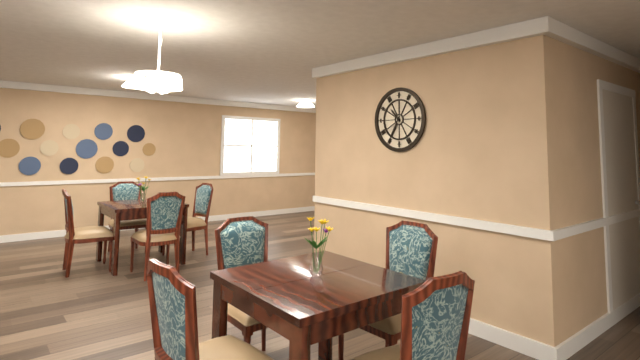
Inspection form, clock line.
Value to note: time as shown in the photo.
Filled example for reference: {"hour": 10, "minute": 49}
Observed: {"hour": 10, "minute": 35}
